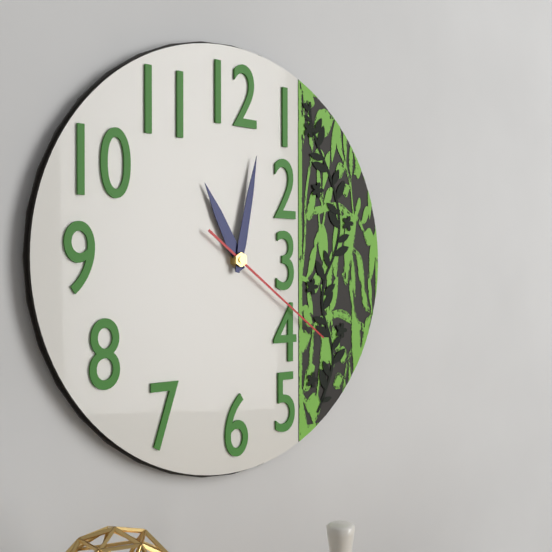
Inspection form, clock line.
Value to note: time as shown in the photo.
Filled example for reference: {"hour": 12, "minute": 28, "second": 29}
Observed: {"hour": 11, "minute": 2, "second": 21}
